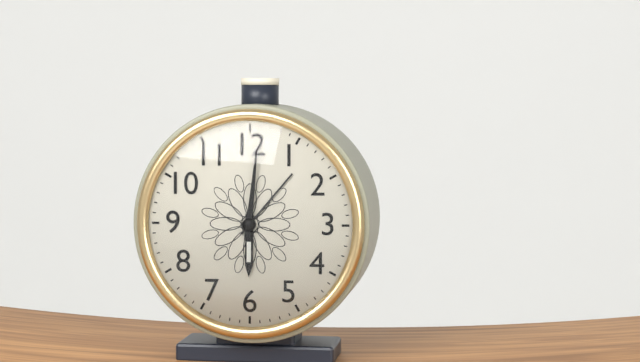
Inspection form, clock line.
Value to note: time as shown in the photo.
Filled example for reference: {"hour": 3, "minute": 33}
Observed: {"hour": 6, "minute": 1}
